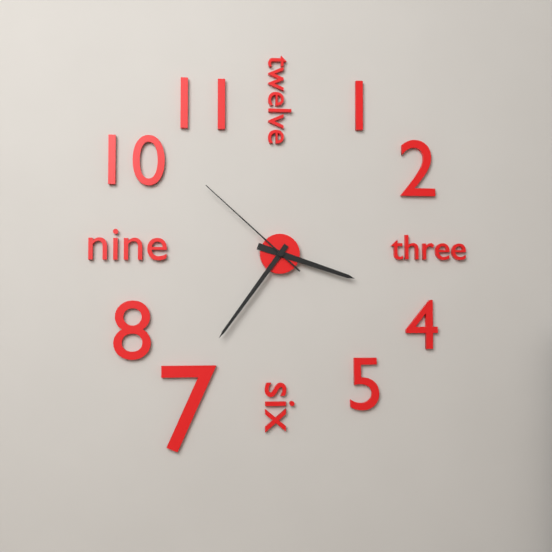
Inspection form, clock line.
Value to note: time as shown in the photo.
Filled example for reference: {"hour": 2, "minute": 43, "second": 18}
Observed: {"hour": 3, "minute": 36, "second": 52}
